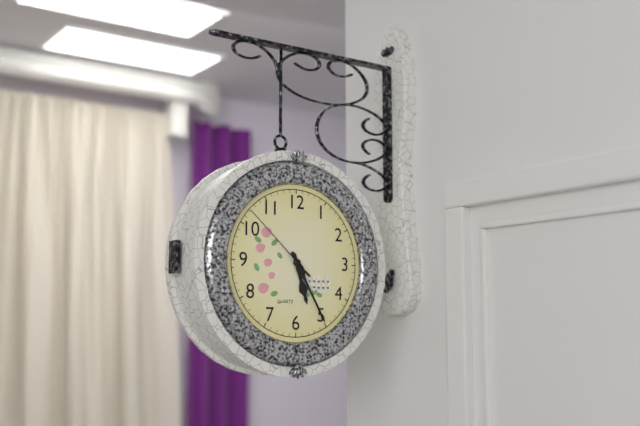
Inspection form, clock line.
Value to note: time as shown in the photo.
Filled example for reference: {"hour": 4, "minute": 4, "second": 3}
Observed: {"hour": 5, "minute": 25, "second": 52}
